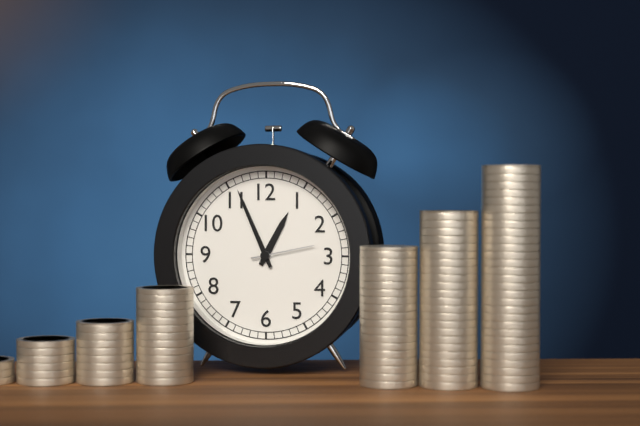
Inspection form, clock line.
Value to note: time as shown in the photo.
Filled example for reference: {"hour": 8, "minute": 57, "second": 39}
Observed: {"hour": 12, "minute": 56, "second": 13}
